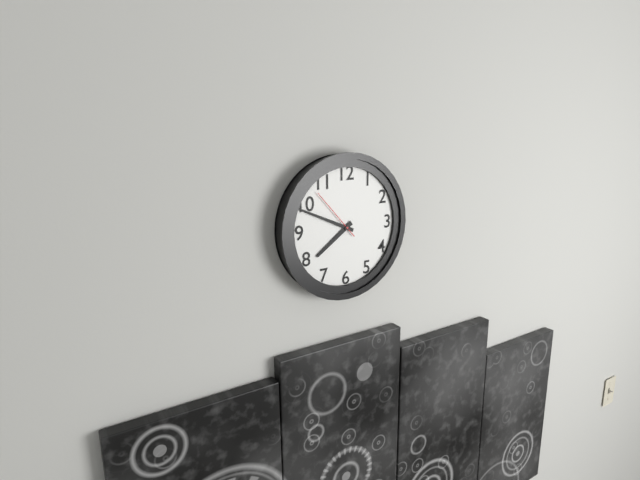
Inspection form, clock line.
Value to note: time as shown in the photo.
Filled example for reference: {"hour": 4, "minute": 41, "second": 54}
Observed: {"hour": 7, "minute": 49, "second": 53}
